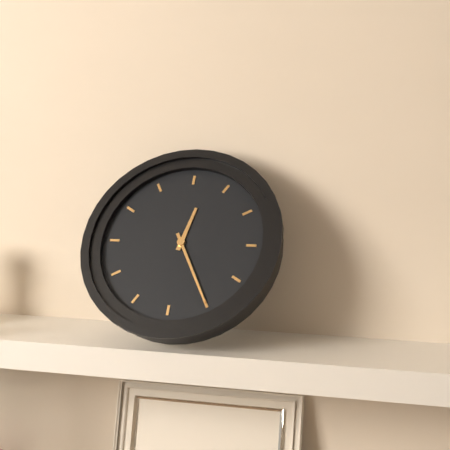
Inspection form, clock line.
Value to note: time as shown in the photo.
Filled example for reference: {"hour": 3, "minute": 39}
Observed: {"hour": 12, "minute": 25}
